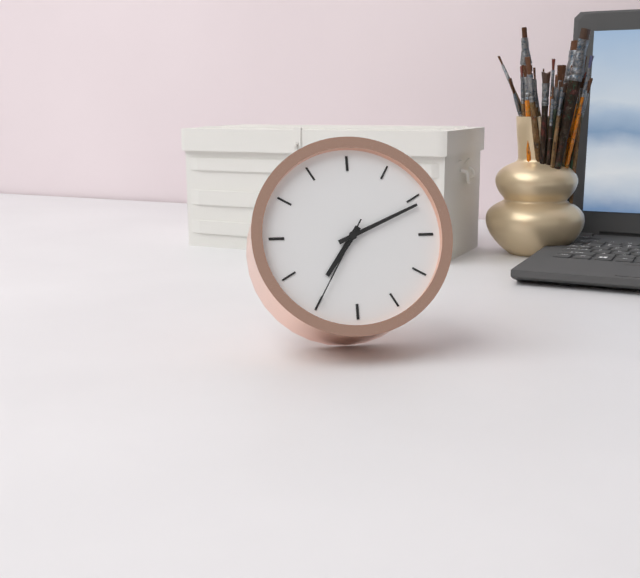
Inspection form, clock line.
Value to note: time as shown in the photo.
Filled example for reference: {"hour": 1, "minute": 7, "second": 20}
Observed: {"hour": 7, "minute": 11, "second": 35}
